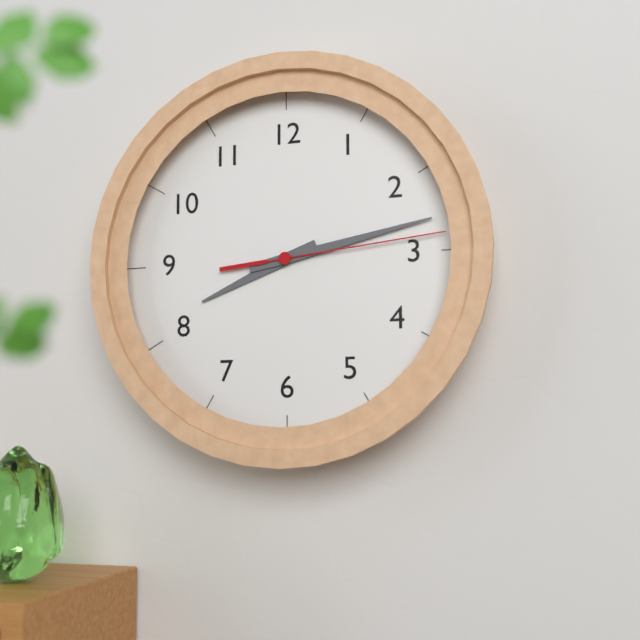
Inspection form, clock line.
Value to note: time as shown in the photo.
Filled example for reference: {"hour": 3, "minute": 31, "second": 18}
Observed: {"hour": 8, "minute": 13, "second": 14}
